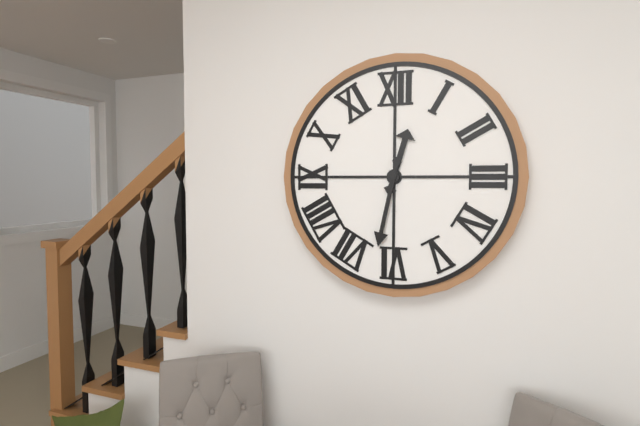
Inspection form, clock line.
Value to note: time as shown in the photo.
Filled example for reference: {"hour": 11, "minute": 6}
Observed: {"hour": 12, "minute": 32}
